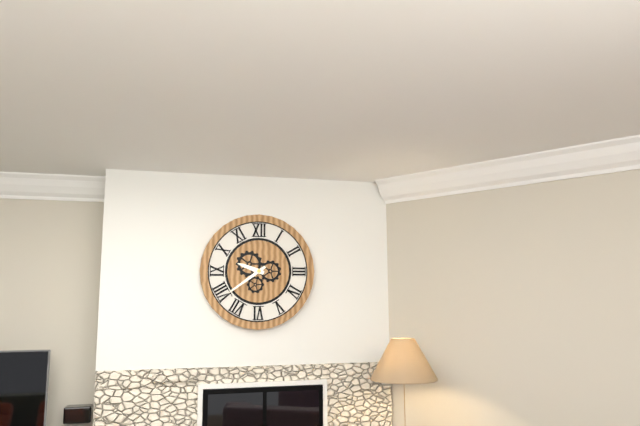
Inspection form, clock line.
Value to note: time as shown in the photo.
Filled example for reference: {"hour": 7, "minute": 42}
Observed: {"hour": 9, "minute": 39}
